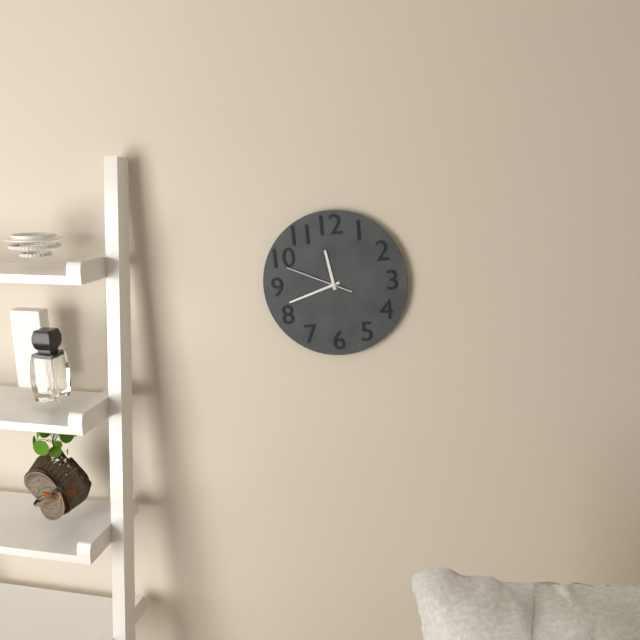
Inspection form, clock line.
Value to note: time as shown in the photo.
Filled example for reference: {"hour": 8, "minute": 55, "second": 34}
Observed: {"hour": 11, "minute": 42, "second": 49}
